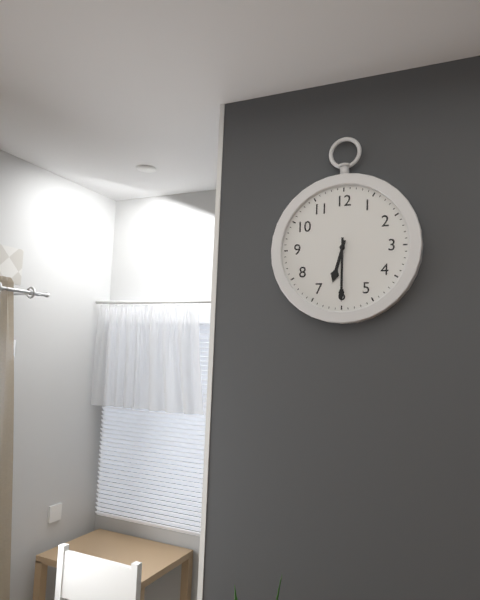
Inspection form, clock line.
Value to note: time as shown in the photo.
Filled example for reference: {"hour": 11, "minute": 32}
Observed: {"hour": 6, "minute": 30}
